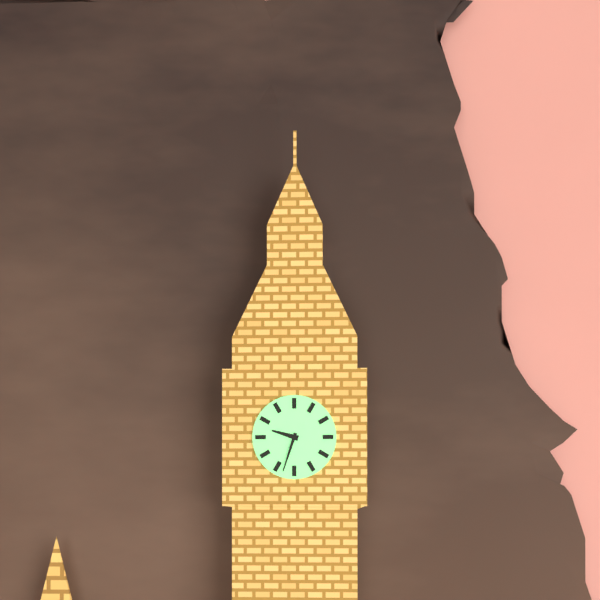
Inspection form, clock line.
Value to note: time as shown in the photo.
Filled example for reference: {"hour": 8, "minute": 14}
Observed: {"hour": 9, "minute": 33}
